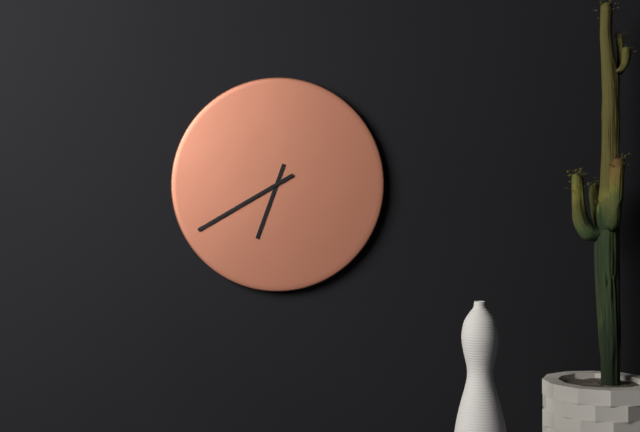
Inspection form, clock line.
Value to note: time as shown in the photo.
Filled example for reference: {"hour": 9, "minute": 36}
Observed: {"hour": 6, "minute": 40}
